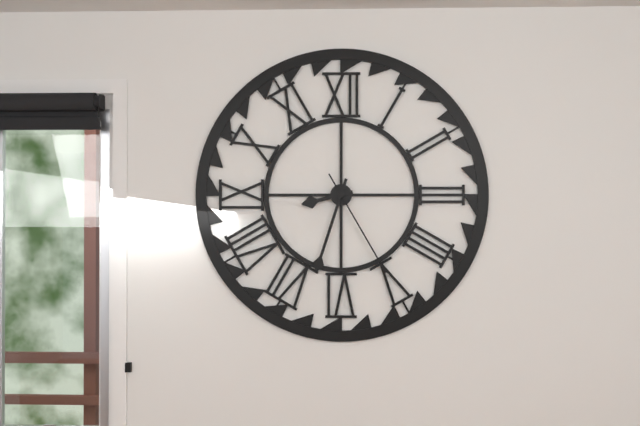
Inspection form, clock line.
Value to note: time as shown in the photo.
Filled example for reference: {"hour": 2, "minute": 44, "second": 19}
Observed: {"hour": 8, "minute": 33, "second": 25}
